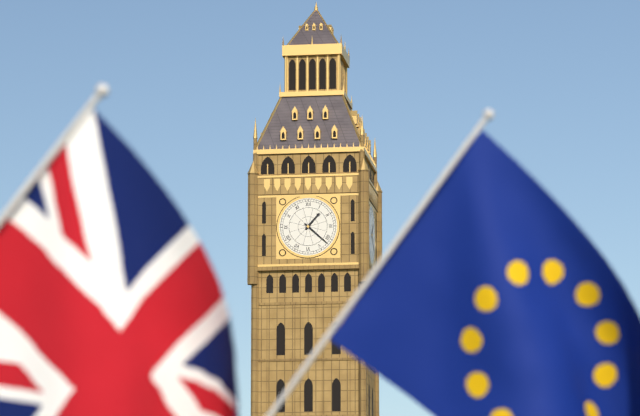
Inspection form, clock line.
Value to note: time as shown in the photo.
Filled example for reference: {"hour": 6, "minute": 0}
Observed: {"hour": 1, "minute": 22}
